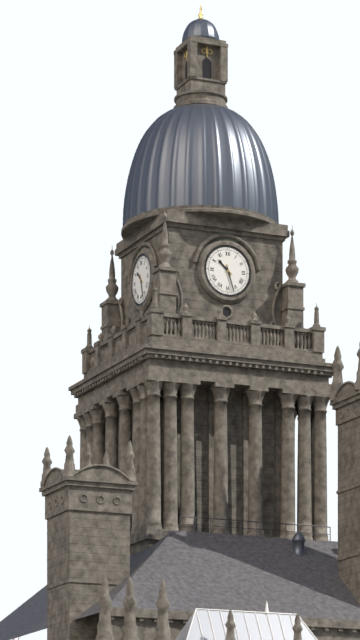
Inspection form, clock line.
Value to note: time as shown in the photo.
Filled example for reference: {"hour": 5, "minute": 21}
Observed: {"hour": 10, "minute": 27}
